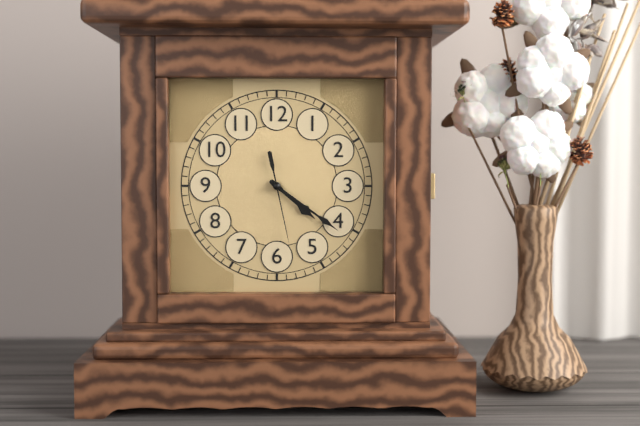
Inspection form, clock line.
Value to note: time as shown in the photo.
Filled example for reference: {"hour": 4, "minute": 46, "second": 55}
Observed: {"hour": 4, "minute": 21, "second": 28}
